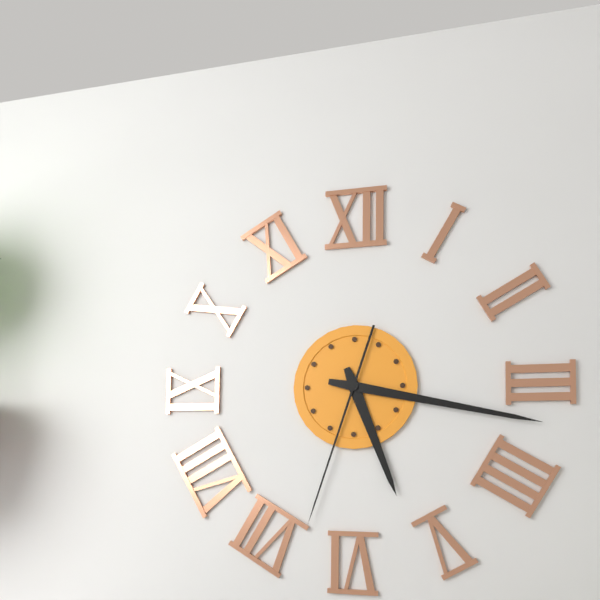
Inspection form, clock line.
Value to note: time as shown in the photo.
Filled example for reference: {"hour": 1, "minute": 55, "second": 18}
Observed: {"hour": 5, "minute": 17, "second": 33}
